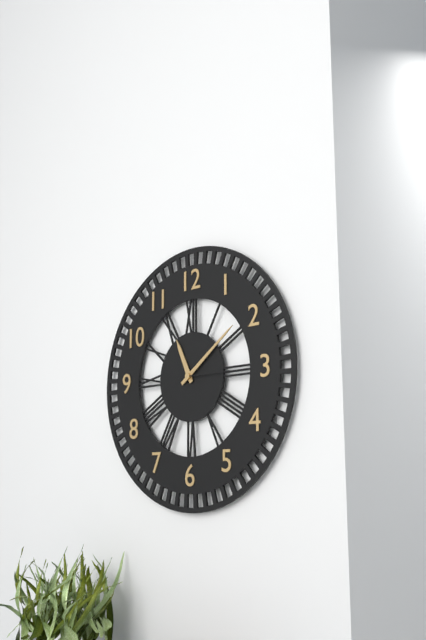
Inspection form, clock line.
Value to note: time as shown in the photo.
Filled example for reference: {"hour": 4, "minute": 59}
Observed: {"hour": 11, "minute": 9}
